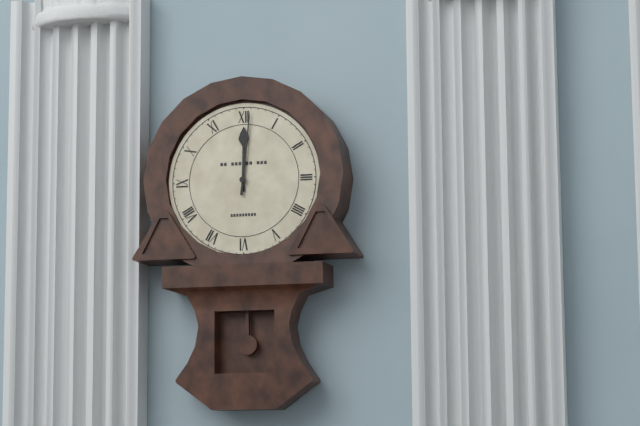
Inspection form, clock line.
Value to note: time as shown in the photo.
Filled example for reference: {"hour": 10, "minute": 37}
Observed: {"hour": 12, "minute": 1}
